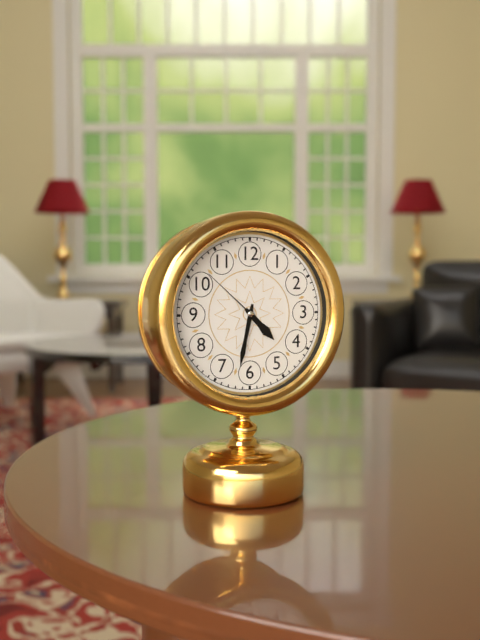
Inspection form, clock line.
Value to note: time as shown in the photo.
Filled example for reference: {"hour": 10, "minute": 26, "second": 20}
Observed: {"hour": 4, "minute": 32, "second": 52}
